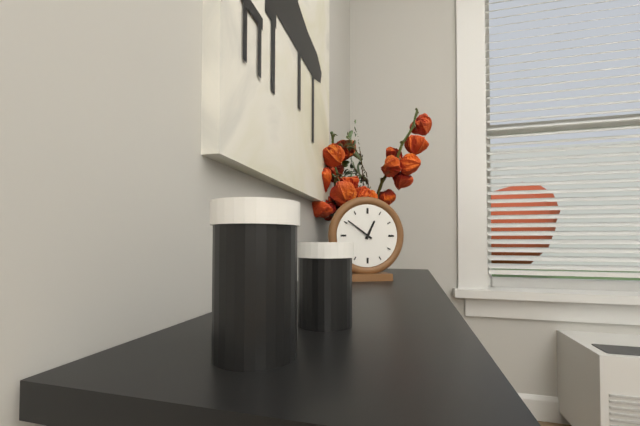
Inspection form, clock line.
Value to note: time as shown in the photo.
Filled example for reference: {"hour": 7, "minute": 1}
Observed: {"hour": 12, "minute": 51}
